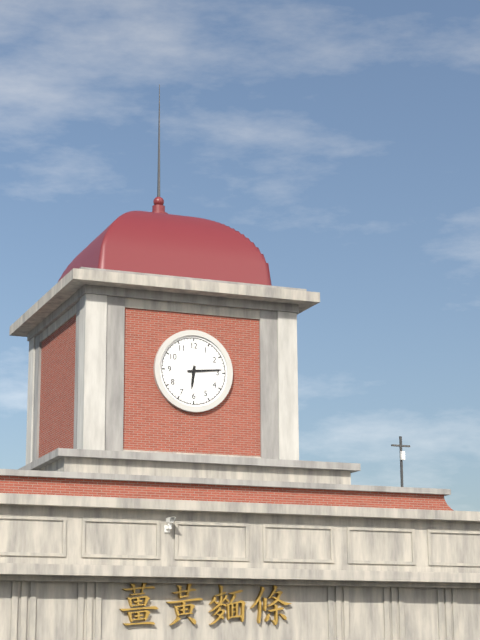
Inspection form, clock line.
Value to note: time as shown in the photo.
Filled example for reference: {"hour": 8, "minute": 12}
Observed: {"hour": 6, "minute": 14}
